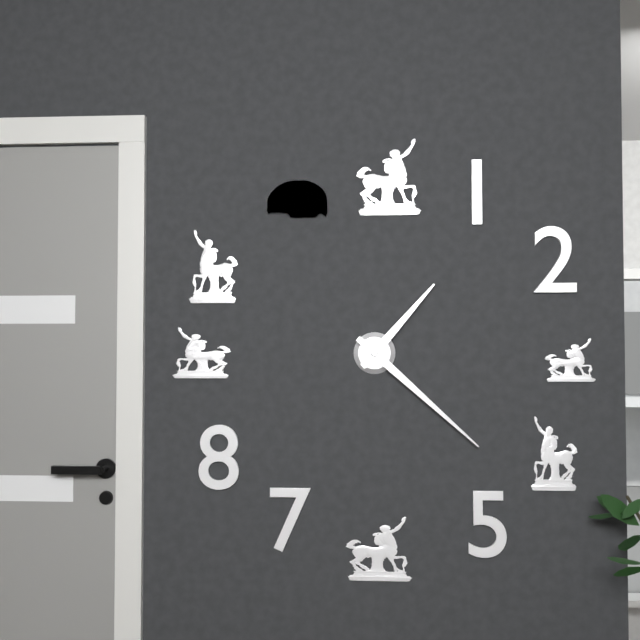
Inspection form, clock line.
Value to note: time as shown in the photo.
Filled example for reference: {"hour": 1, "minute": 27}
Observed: {"hour": 1, "minute": 22}
